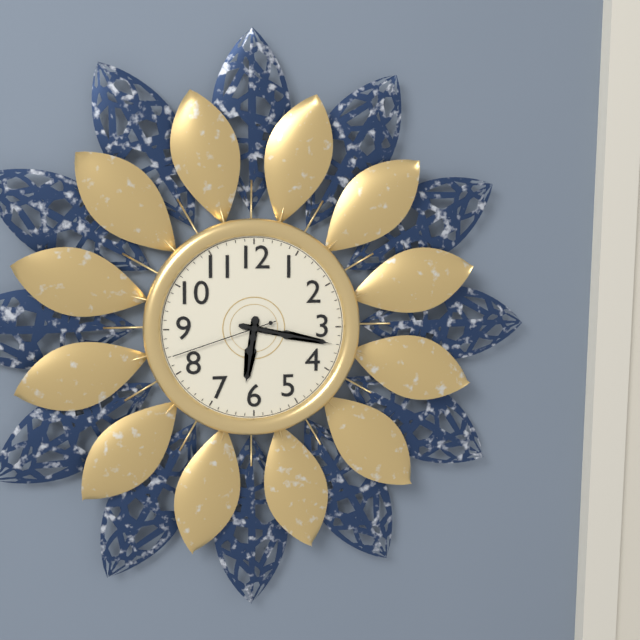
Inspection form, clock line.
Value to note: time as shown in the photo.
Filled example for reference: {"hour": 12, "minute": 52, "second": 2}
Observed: {"hour": 6, "minute": 17, "second": 42}
